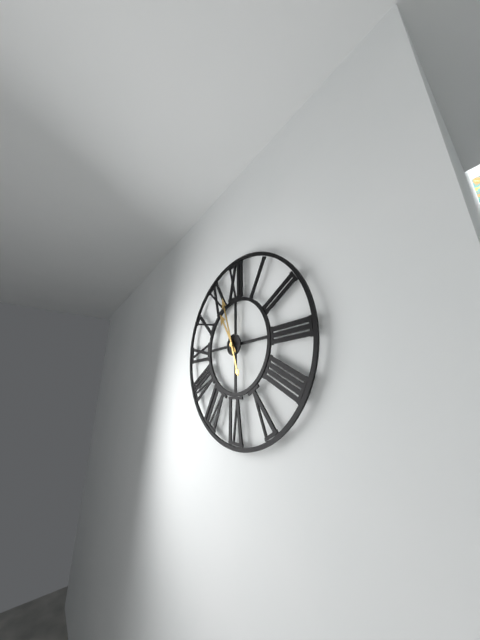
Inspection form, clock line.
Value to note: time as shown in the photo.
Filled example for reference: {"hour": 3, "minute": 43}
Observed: {"hour": 10, "minute": 57}
